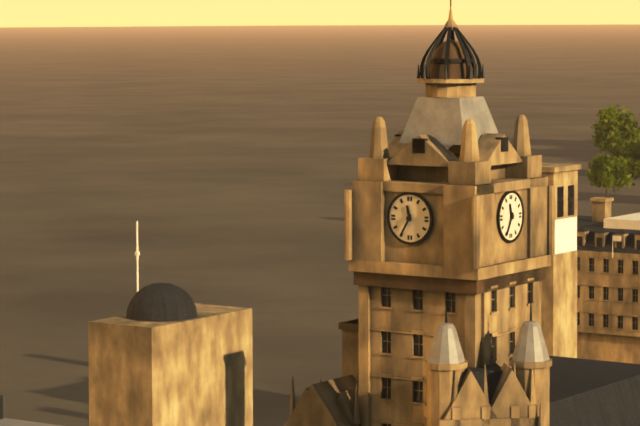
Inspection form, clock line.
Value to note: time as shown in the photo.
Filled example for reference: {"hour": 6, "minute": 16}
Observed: {"hour": 11, "minute": 35}
